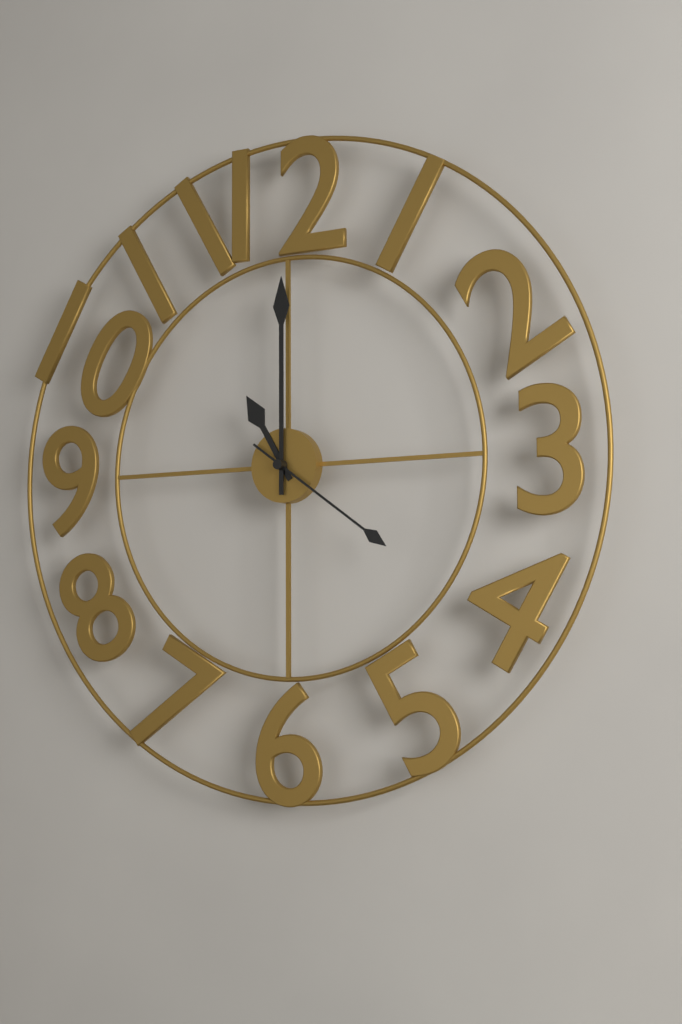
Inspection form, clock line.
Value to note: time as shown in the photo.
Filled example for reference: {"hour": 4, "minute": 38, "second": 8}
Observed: {"hour": 11, "minute": 0, "second": 21}
